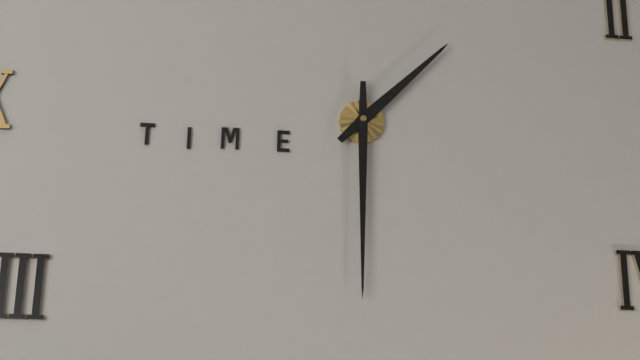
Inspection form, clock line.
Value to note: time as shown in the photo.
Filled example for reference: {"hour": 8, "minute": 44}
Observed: {"hour": 1, "minute": 30}
